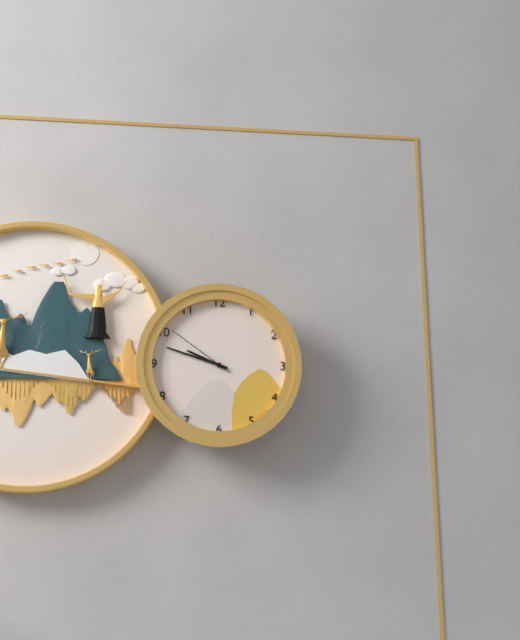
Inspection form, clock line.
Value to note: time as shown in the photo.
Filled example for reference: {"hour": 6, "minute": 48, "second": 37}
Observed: {"hour": 9, "minute": 48, "second": 51}
